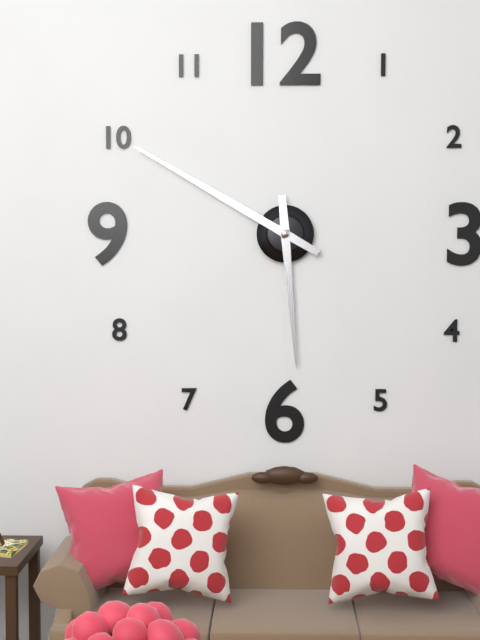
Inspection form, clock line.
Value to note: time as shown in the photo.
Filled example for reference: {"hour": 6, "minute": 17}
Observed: {"hour": 5, "minute": 50}
